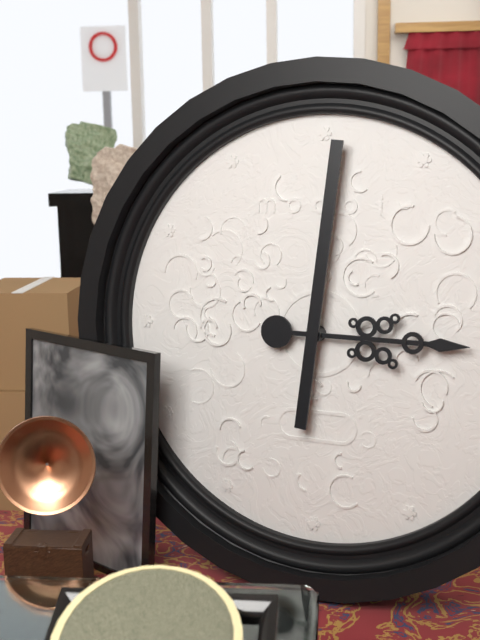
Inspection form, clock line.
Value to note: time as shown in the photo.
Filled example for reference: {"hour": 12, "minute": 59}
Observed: {"hour": 3, "minute": 1}
